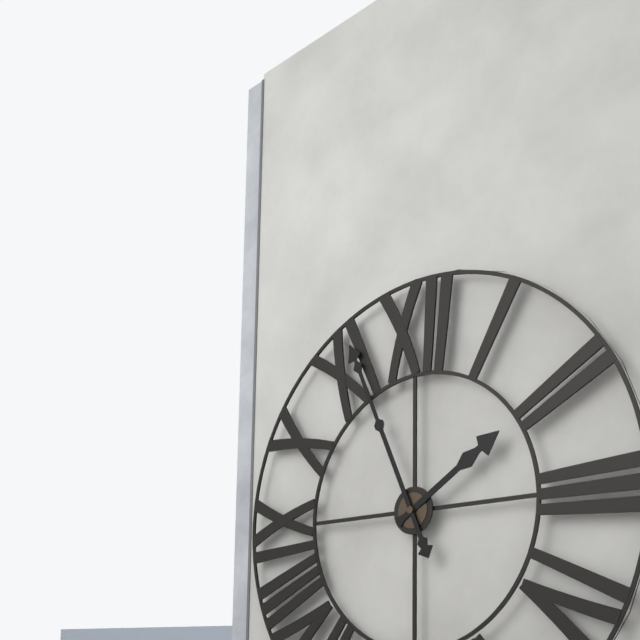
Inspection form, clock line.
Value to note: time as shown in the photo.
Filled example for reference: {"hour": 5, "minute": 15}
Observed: {"hour": 1, "minute": 56}
